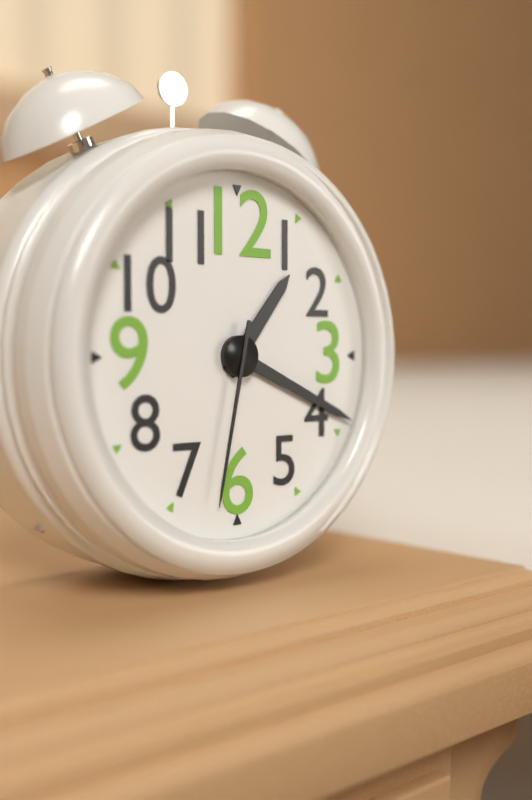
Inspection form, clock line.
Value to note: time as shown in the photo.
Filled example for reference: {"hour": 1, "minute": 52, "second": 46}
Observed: {"hour": 1, "minute": 19, "second": 32}
